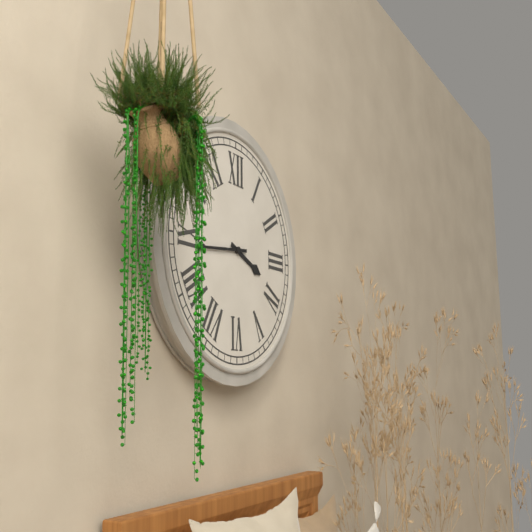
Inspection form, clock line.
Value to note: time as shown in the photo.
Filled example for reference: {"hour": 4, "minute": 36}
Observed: {"hour": 3, "minute": 44}
